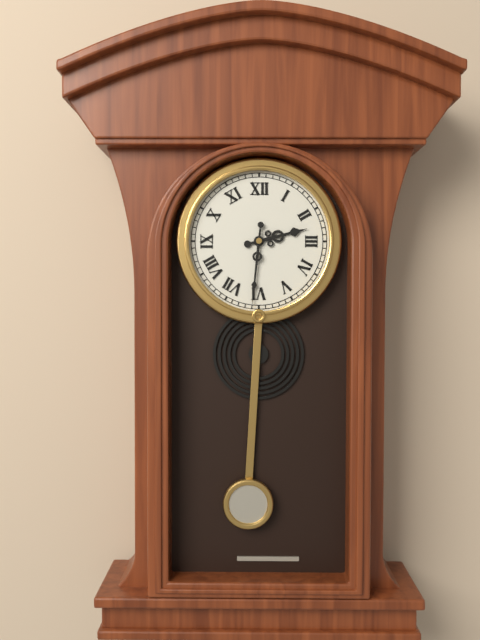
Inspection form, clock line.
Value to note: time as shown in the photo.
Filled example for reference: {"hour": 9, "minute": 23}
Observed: {"hour": 2, "minute": 31}
